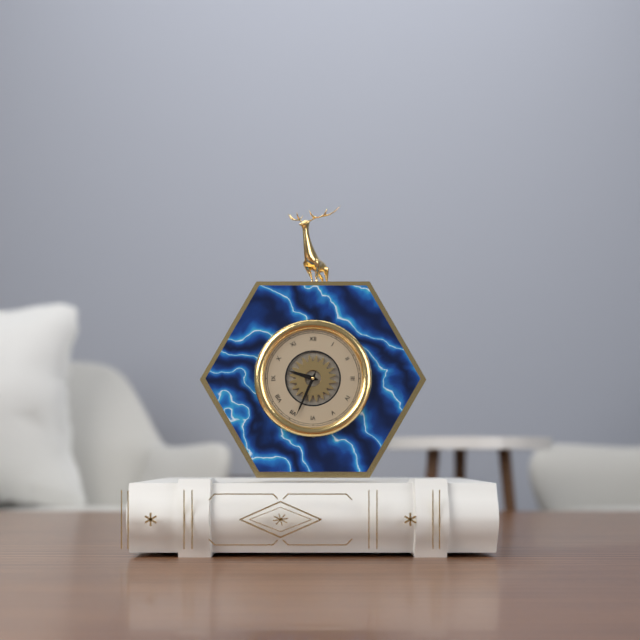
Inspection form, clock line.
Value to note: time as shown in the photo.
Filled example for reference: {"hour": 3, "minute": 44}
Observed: {"hour": 9, "minute": 34}
